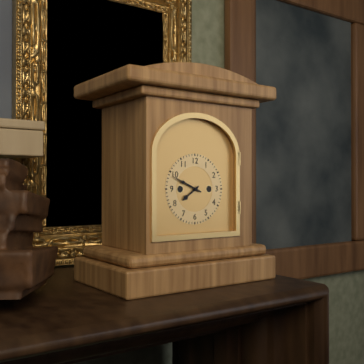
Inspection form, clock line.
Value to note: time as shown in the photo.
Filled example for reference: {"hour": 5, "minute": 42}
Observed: {"hour": 7, "minute": 49}
